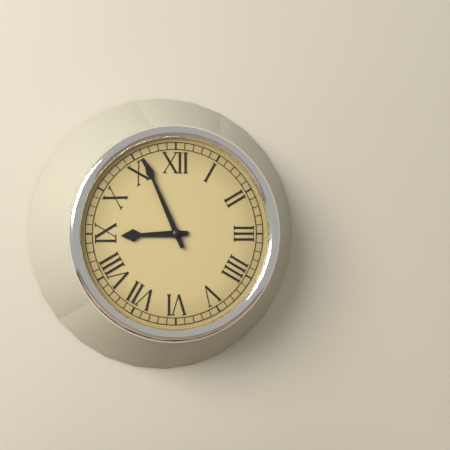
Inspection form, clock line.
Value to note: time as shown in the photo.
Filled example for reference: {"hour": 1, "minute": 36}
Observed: {"hour": 8, "minute": 56}
